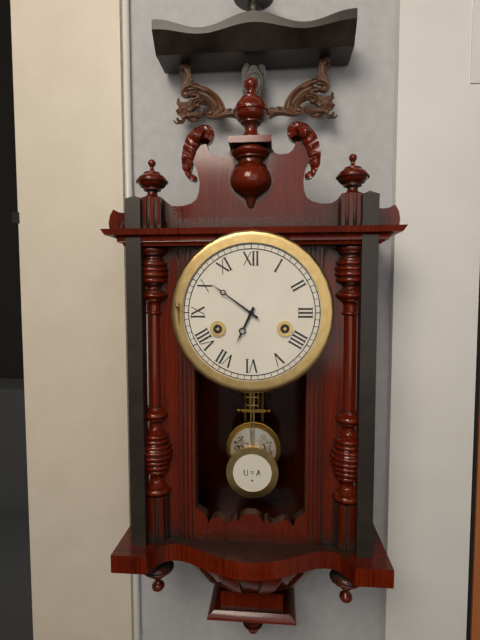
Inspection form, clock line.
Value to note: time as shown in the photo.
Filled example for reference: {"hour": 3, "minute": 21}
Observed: {"hour": 6, "minute": 51}
